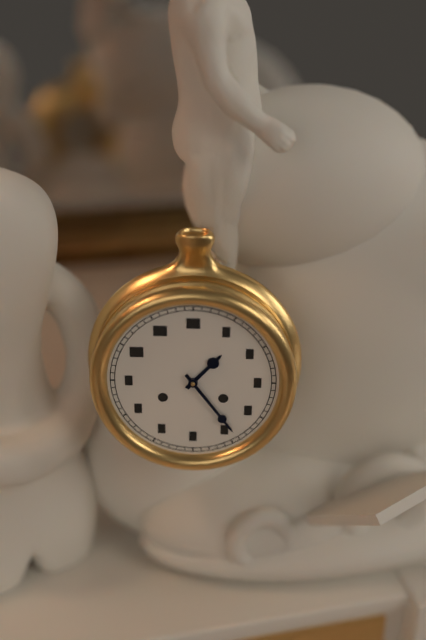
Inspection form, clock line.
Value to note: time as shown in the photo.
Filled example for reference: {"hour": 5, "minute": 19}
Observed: {"hour": 1, "minute": 24}
